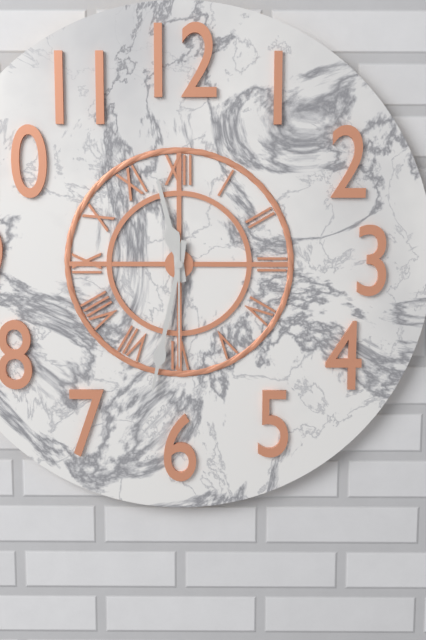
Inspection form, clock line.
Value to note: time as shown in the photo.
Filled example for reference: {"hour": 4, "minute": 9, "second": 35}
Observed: {"hour": 11, "minute": 32, "second": 30}
